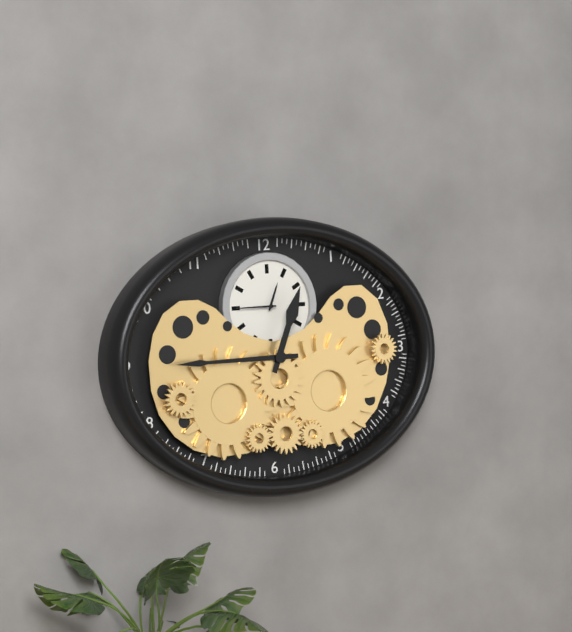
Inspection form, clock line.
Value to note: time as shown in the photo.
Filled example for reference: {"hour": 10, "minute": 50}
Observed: {"hour": 12, "minute": 45}
